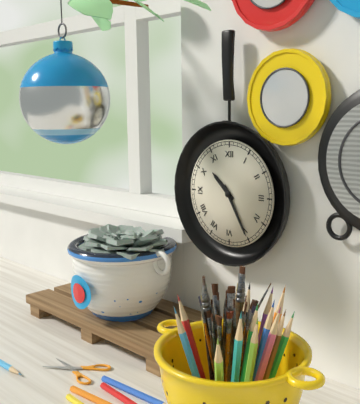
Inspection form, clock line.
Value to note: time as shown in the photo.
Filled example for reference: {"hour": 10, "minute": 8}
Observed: {"hour": 10, "minute": 25}
